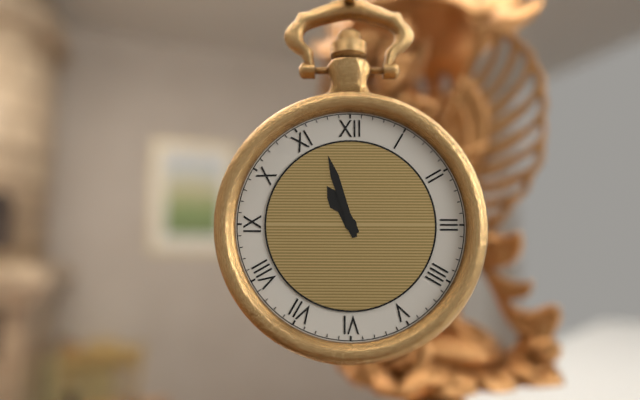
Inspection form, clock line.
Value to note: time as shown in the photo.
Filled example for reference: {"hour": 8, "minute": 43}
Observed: {"hour": 10, "minute": 57}
